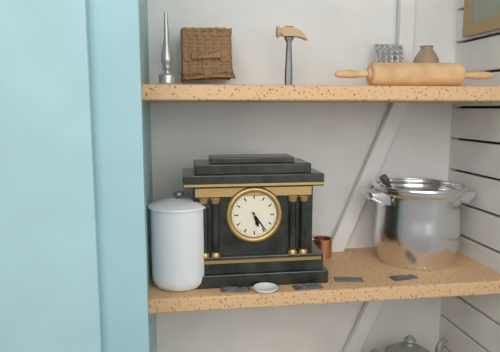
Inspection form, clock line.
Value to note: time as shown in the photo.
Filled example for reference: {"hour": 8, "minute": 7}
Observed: {"hour": 5, "minute": 24}
